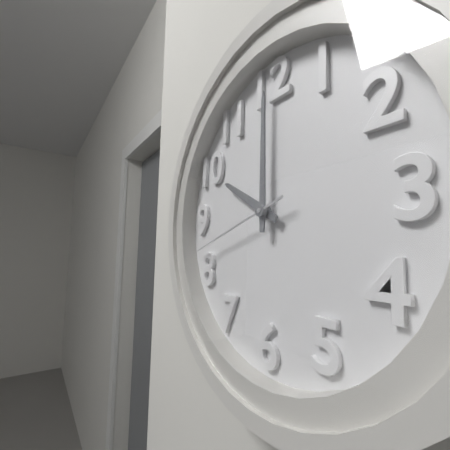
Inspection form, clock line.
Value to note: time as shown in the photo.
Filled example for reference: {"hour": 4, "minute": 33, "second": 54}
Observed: {"hour": 10, "minute": 0, "second": 42}
